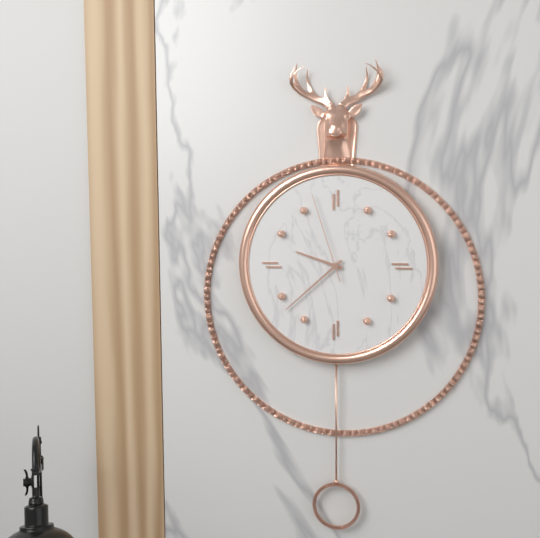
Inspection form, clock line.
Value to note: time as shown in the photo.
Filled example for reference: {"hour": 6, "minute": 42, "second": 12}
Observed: {"hour": 9, "minute": 38, "second": 57}
